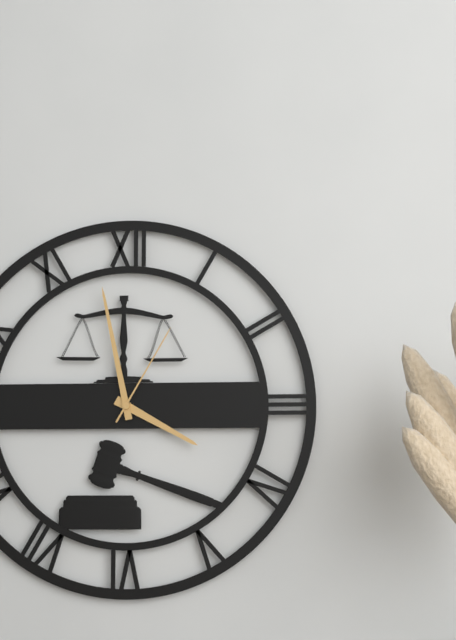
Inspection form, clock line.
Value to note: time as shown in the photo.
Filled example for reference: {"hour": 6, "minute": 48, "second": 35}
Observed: {"hour": 3, "minute": 58, "second": 5}
